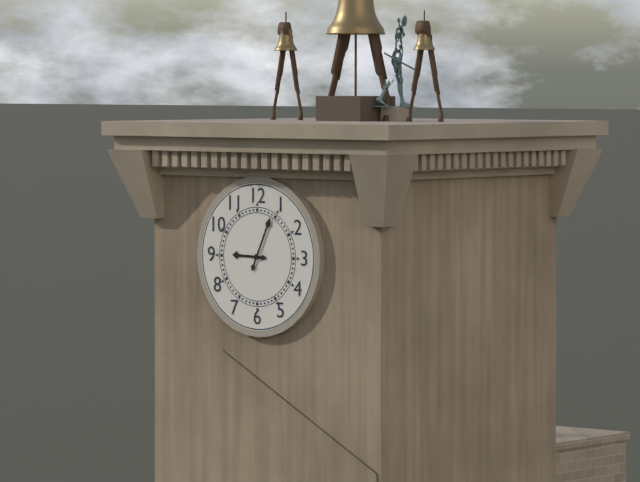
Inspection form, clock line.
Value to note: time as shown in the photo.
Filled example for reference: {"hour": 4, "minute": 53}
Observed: {"hour": 9, "minute": 4}
